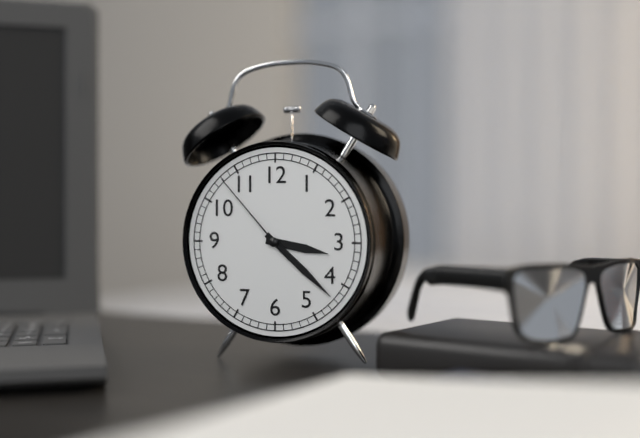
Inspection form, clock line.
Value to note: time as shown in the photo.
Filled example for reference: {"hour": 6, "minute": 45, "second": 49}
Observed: {"hour": 3, "minute": 22, "second": 53}
